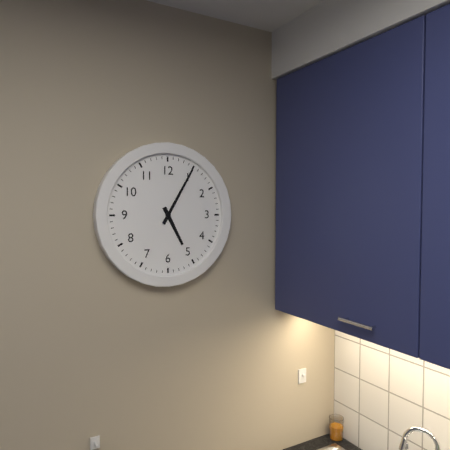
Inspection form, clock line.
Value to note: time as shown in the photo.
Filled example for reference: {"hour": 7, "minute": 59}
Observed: {"hour": 5, "minute": 5}
